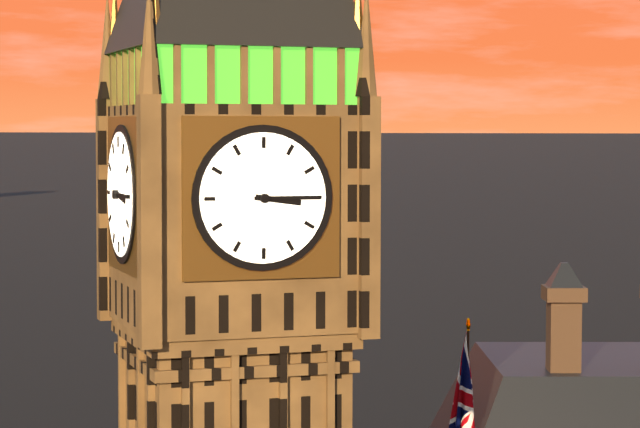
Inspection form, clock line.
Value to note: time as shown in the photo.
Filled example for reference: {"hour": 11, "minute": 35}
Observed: {"hour": 3, "minute": 15}
